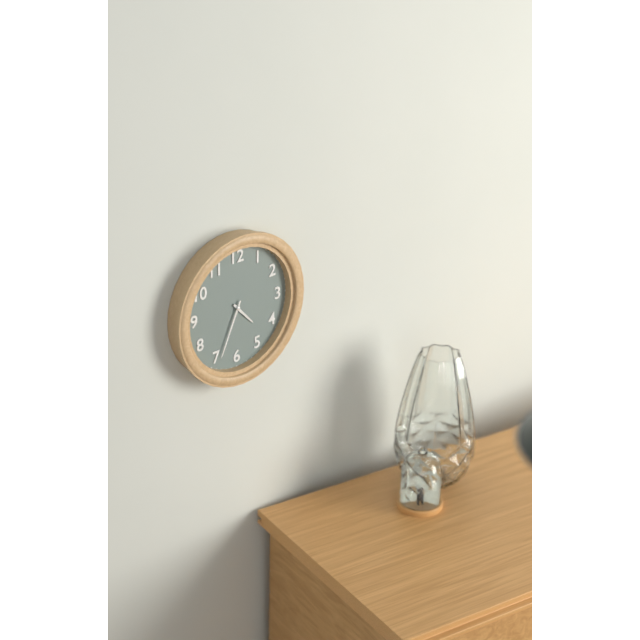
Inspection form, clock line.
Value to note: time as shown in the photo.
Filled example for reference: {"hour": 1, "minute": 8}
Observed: {"hour": 4, "minute": 34}
